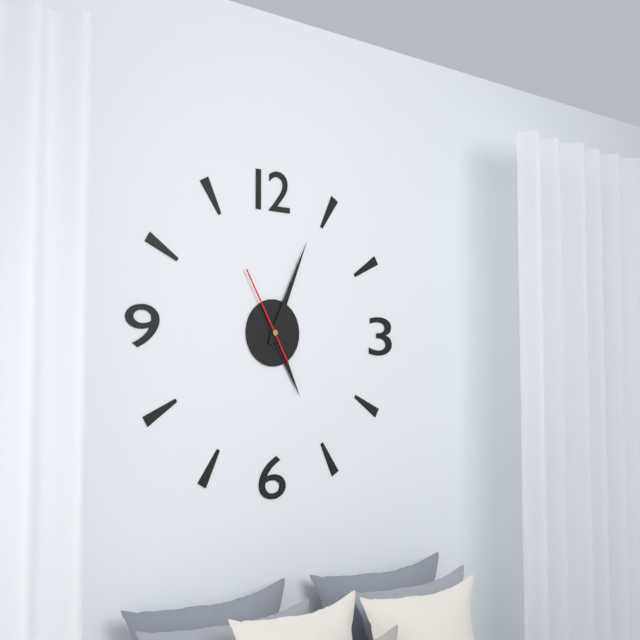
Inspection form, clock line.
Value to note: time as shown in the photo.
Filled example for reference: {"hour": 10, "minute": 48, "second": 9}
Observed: {"hour": 5, "minute": 4, "second": 55}
